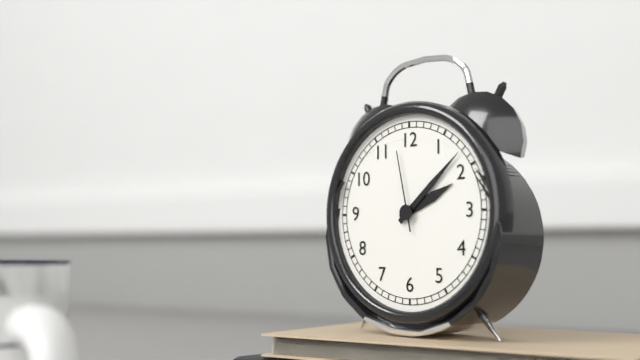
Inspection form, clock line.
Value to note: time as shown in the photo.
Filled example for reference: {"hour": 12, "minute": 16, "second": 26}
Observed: {"hour": 2, "minute": 8, "second": 58}
